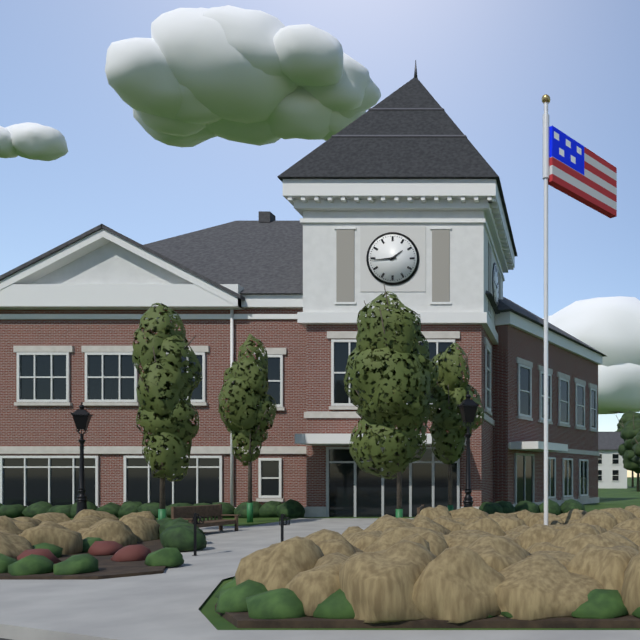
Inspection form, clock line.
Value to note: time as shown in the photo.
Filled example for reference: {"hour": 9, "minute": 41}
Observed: {"hour": 1, "minute": 44}
